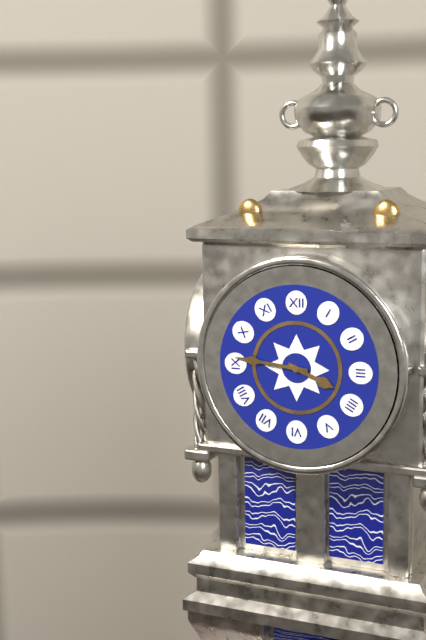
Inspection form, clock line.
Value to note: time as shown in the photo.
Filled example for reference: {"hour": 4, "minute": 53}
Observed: {"hour": 3, "minute": 46}
